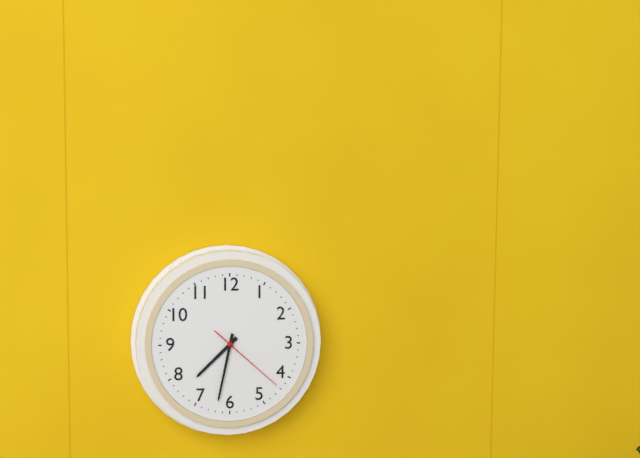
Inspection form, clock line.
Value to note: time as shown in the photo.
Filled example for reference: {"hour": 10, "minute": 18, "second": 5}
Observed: {"hour": 7, "minute": 32, "second": 22}
